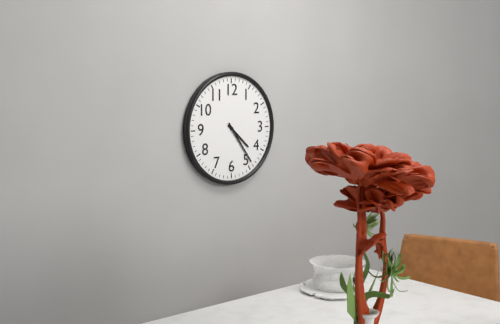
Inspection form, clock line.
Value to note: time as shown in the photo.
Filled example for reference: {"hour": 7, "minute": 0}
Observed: {"hour": 4, "minute": 24}
